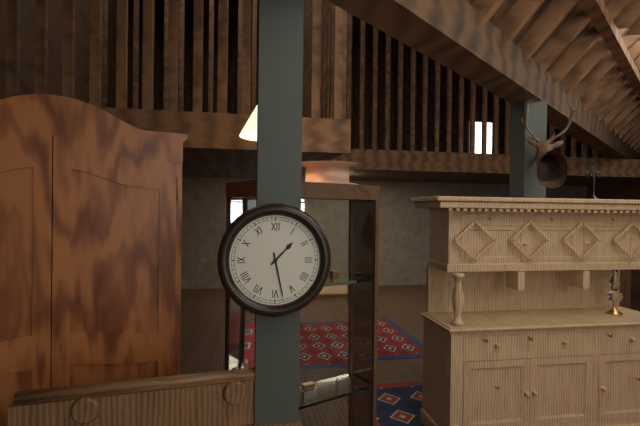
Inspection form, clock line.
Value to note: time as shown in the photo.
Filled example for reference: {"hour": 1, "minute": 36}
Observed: {"hour": 1, "minute": 28}
